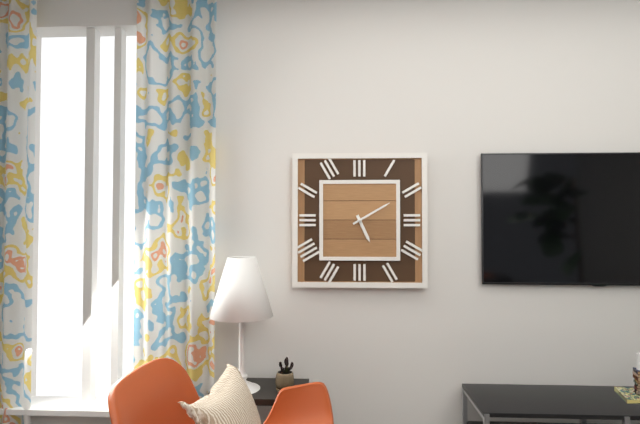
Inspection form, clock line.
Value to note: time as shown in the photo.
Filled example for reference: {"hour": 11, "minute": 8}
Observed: {"hour": 5, "minute": 10}
